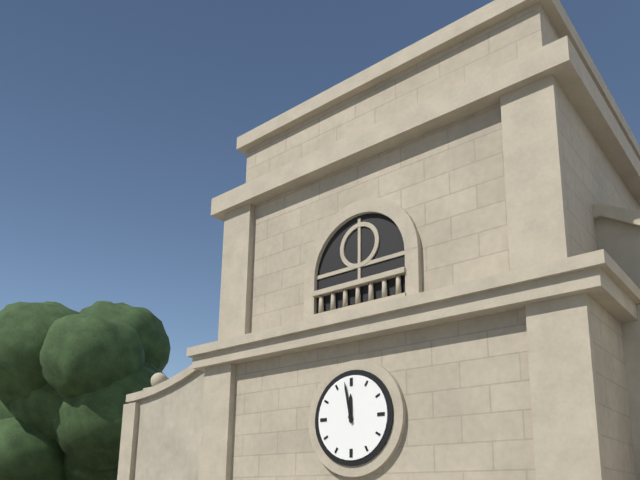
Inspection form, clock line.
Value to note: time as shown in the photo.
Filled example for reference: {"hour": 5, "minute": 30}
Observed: {"hour": 11, "minute": 58}
